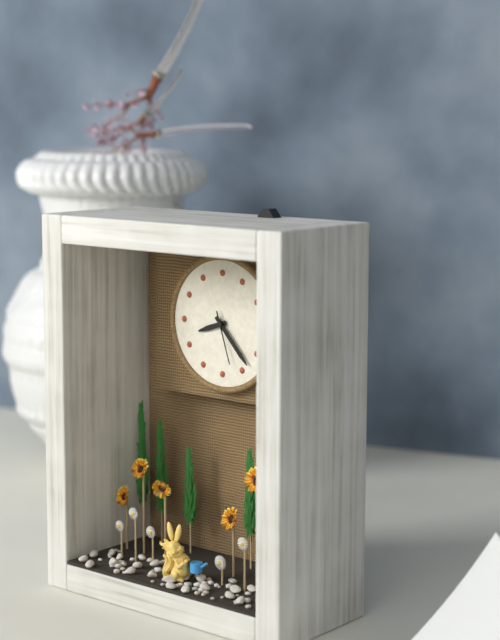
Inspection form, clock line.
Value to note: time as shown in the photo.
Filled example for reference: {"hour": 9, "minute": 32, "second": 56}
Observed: {"hour": 8, "minute": 23, "second": 27}
